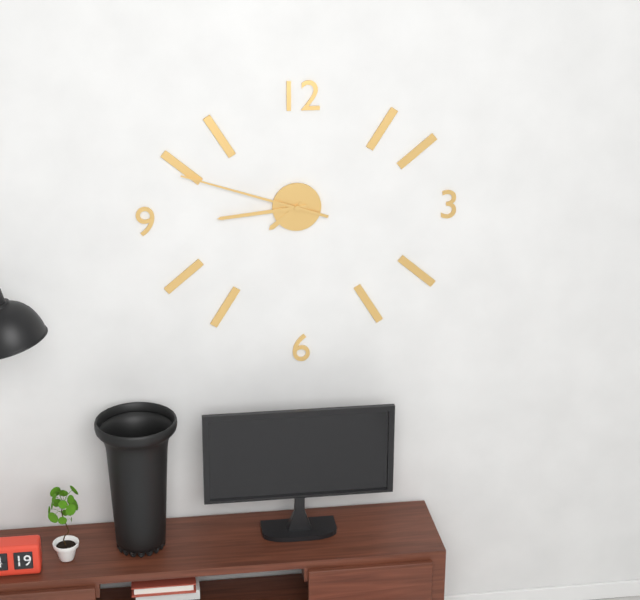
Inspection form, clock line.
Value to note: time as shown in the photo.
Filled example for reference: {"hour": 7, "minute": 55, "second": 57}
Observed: {"hour": 7, "minute": 44, "second": 48}
